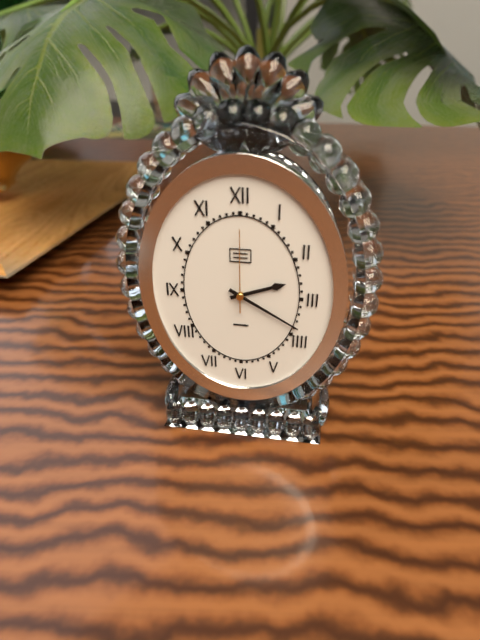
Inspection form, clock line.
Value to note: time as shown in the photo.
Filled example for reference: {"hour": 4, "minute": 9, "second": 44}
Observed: {"hour": 2, "minute": 20, "second": 0}
